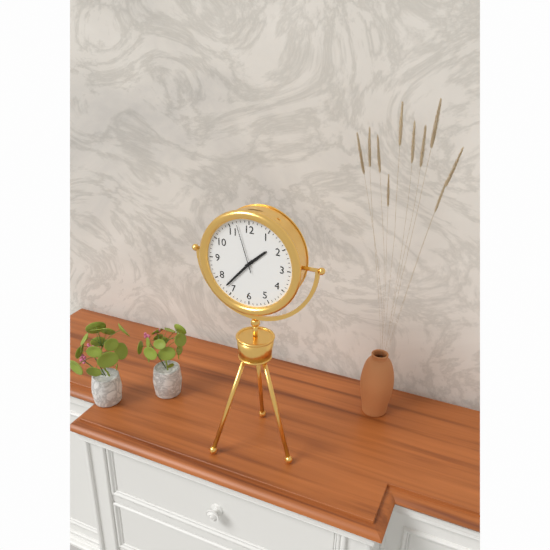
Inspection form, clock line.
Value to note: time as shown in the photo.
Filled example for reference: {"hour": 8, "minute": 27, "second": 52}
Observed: {"hour": 1, "minute": 37, "second": 57}
